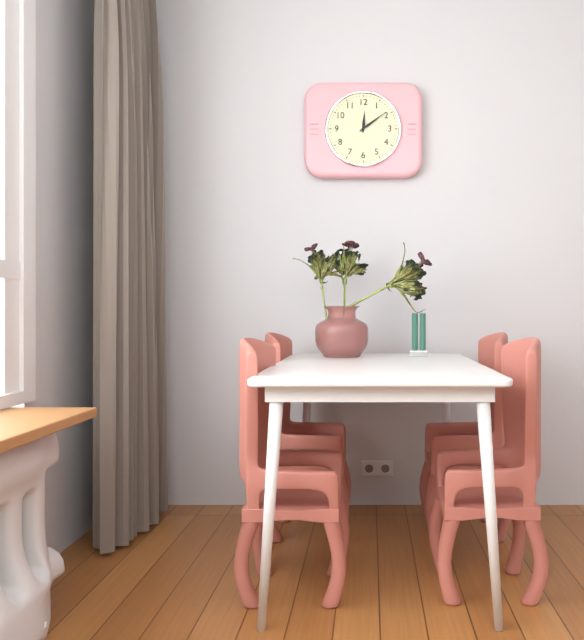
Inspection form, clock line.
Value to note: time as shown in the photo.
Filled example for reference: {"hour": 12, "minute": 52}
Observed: {"hour": 12, "minute": 9}
